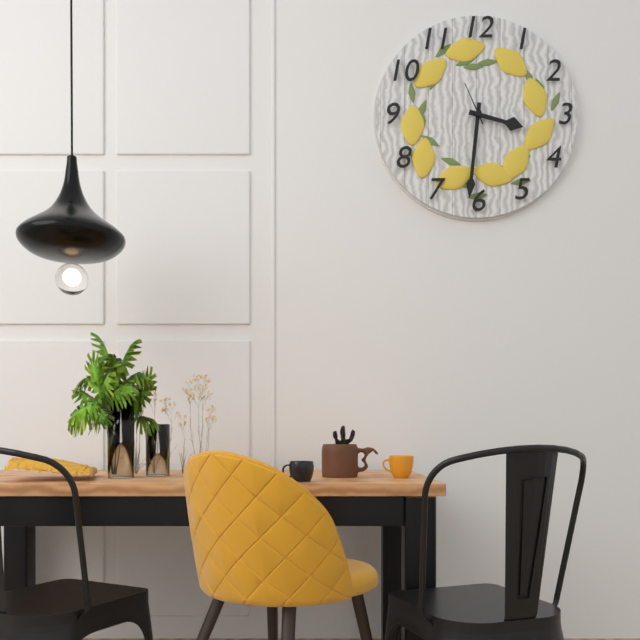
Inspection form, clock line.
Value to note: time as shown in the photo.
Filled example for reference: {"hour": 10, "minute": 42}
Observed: {"hour": 3, "minute": 31}
